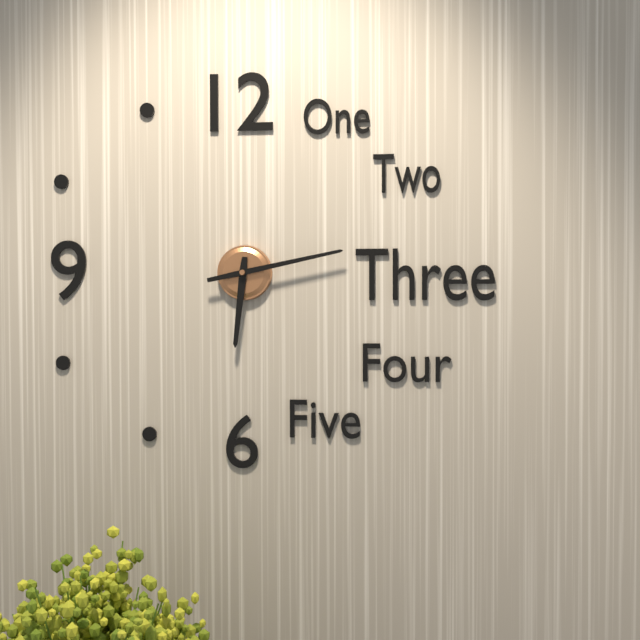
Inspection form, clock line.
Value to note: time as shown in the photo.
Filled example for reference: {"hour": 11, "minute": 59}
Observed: {"hour": 6, "minute": 13}
